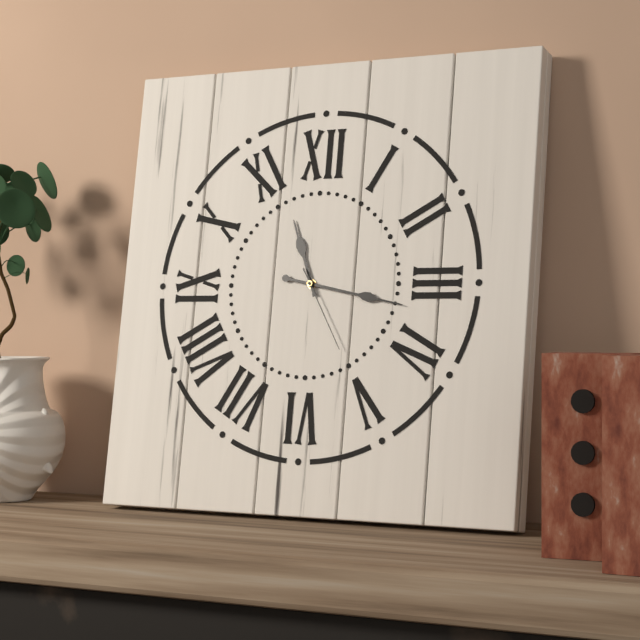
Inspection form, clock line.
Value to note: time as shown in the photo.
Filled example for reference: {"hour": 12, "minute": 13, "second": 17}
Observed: {"hour": 11, "minute": 17, "second": 25}
